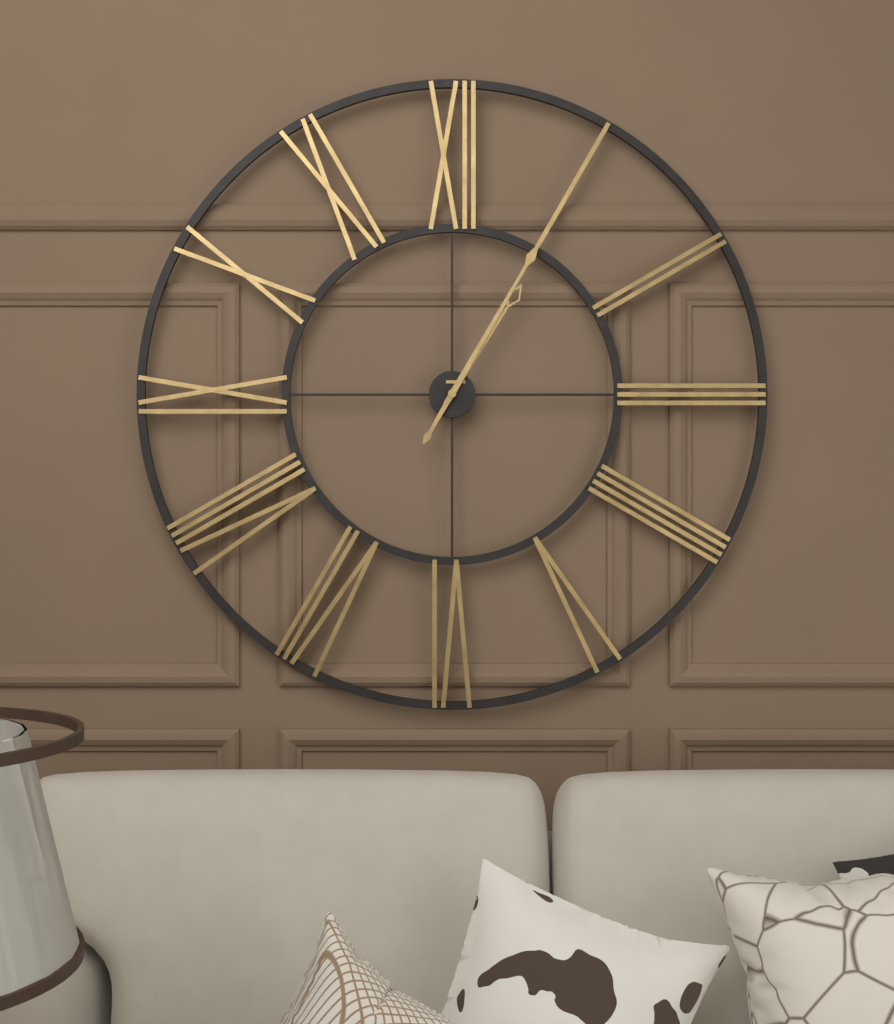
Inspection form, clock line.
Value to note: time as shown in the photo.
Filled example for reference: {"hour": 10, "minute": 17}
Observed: {"hour": 1, "minute": 5}
